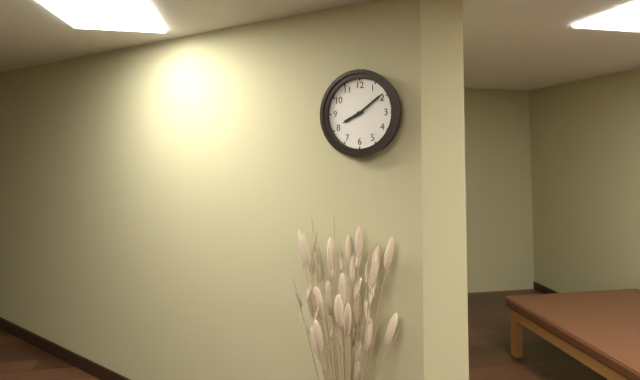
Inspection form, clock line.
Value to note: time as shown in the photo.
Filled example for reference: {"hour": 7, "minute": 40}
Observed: {"hour": 8, "minute": 9}
